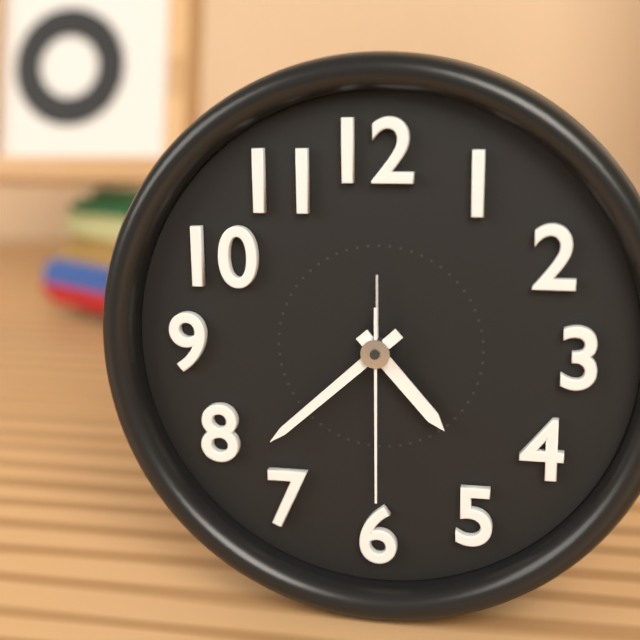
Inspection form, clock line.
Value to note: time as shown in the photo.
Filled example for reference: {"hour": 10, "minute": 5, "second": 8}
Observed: {"hour": 4, "minute": 38, "second": 30}
